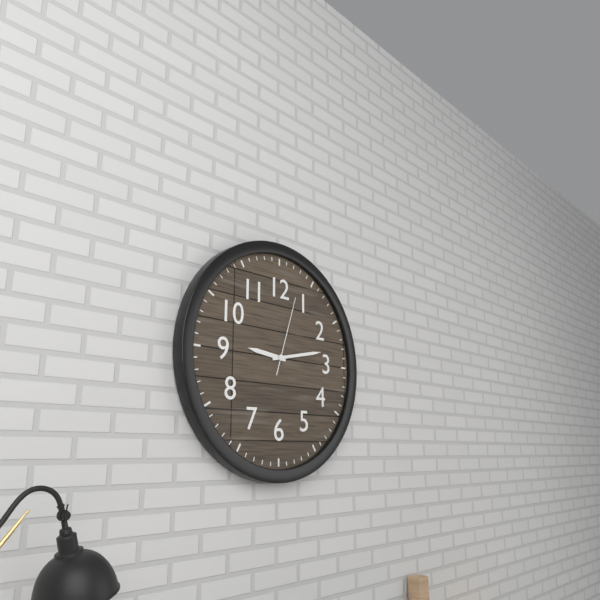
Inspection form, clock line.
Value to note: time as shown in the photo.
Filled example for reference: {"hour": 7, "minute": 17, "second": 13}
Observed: {"hour": 9, "minute": 13, "second": 3}
